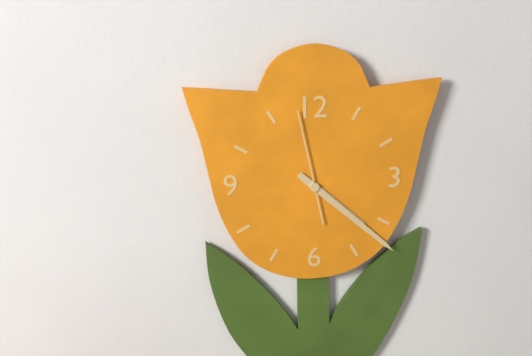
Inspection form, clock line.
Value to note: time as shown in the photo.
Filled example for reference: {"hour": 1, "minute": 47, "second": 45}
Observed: {"hour": 4, "minute": 22, "second": 58}
